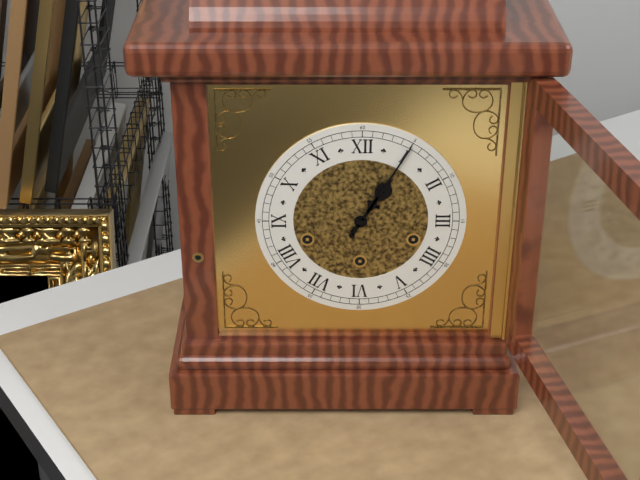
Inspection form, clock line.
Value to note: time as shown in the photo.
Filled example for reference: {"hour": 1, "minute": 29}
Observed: {"hour": 1, "minute": 5}
